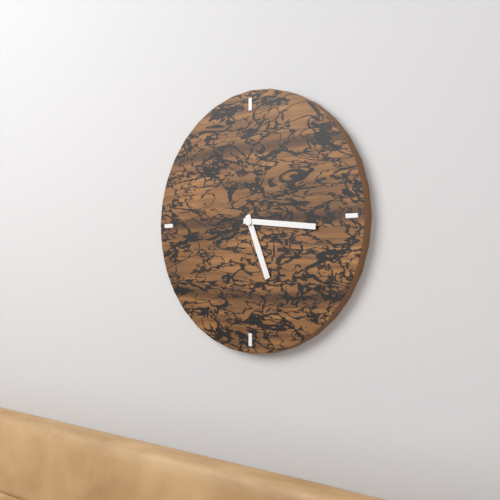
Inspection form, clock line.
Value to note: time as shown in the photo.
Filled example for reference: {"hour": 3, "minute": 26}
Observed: {"hour": 5, "minute": 16}
